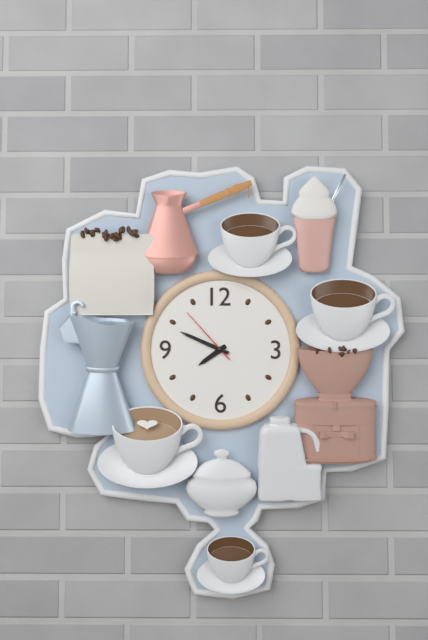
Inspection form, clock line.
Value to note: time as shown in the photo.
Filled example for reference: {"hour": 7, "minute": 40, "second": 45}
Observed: {"hour": 7, "minute": 49, "second": 53}
